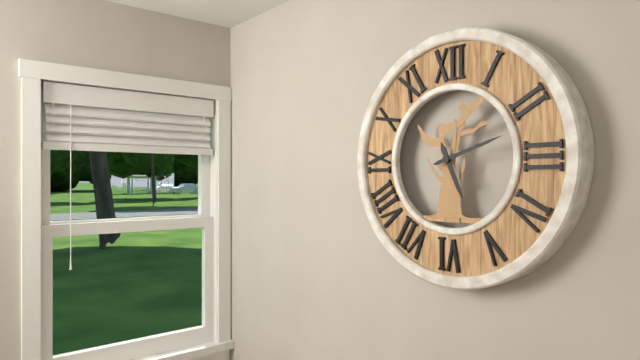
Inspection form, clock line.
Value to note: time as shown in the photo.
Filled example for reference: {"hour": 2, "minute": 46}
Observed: {"hour": 5, "minute": 12}
